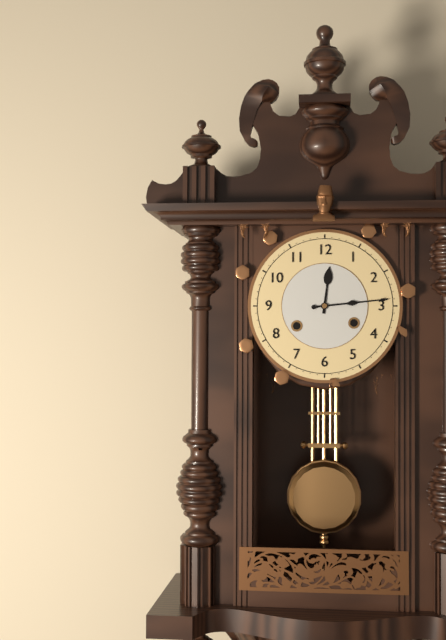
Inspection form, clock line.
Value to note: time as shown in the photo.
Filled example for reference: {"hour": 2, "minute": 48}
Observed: {"hour": 12, "minute": 14}
